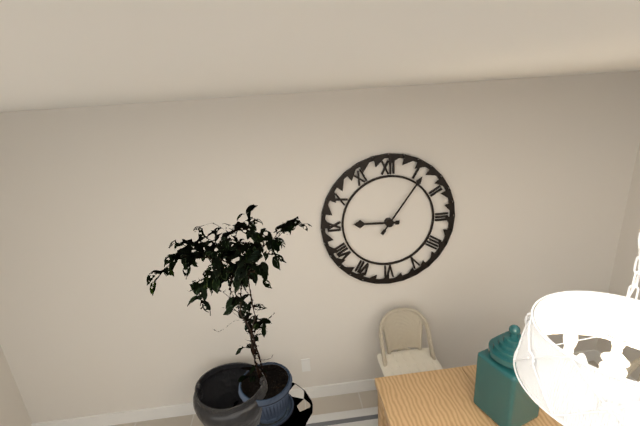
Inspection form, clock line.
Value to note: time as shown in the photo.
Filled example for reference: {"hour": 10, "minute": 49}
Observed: {"hour": 9, "minute": 6}
